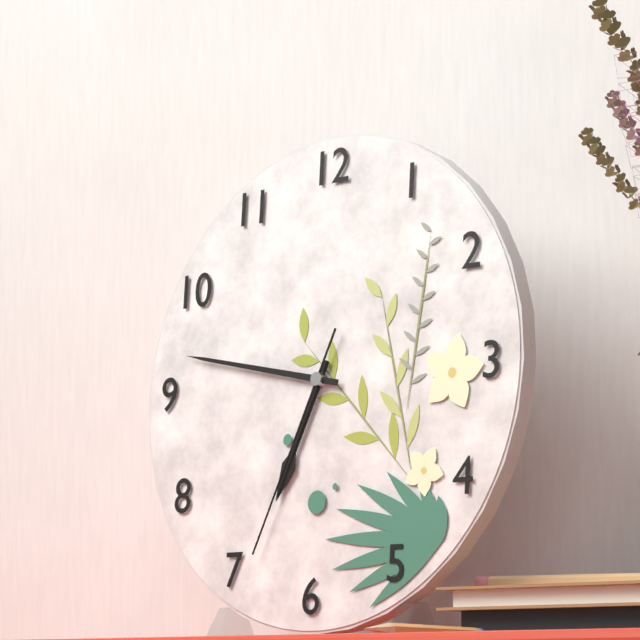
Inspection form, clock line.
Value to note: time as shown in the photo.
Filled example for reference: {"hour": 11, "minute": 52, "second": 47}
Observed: {"hour": 6, "minute": 47, "second": 34}
